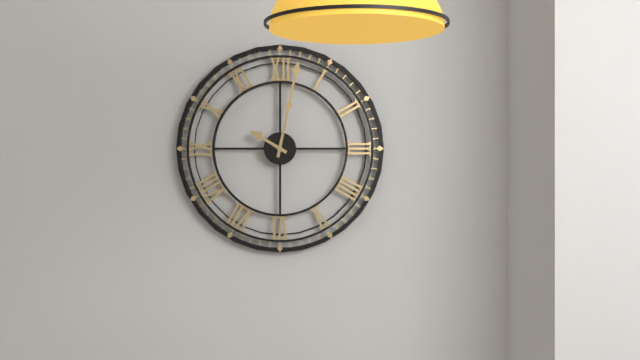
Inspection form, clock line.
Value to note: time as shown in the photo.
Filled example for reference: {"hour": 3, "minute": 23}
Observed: {"hour": 10, "minute": 2}
